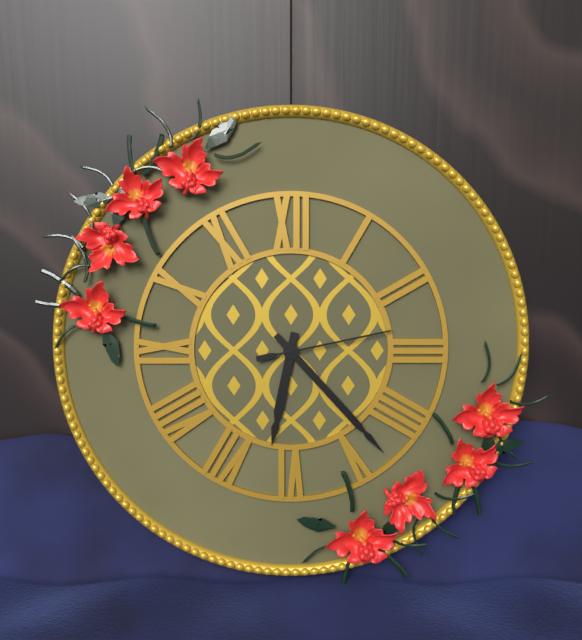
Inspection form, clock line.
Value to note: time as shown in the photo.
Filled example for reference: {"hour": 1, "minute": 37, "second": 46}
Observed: {"hour": 6, "minute": 23, "second": 13}
